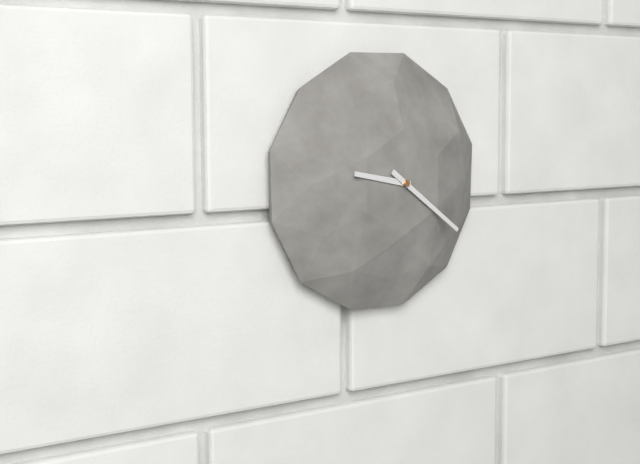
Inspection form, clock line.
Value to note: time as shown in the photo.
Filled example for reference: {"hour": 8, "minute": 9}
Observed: {"hour": 9, "minute": 21}
